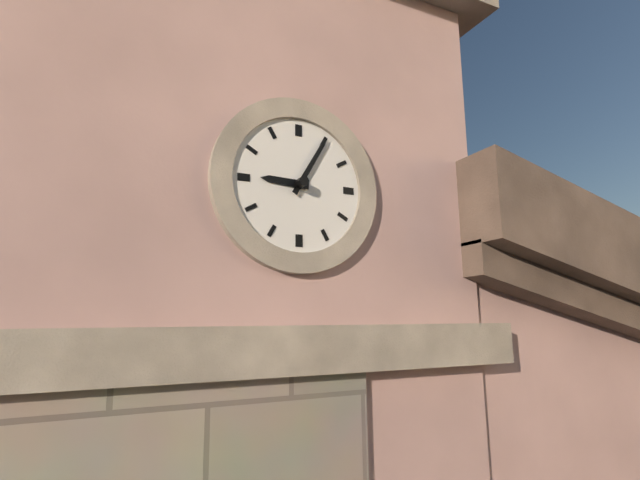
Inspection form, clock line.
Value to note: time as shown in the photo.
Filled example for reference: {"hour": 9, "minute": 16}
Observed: {"hour": 9, "minute": 5}
